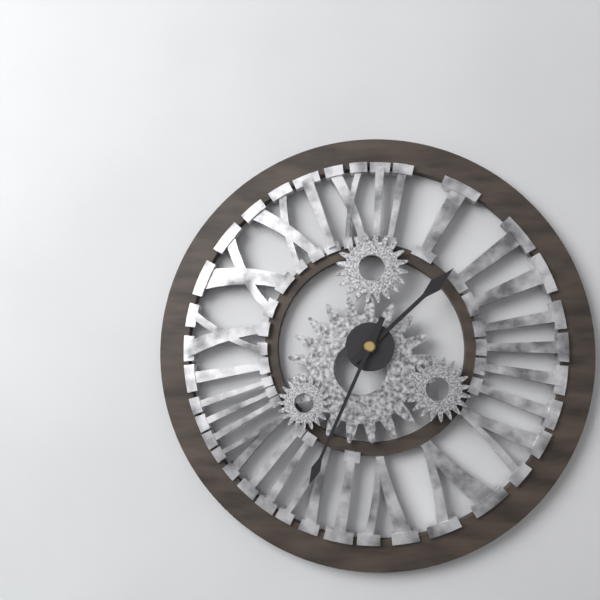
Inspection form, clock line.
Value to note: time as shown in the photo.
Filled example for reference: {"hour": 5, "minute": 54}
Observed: {"hour": 1, "minute": 34}
